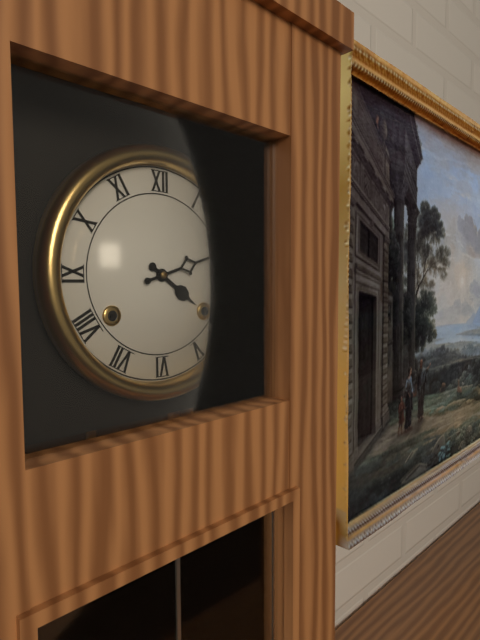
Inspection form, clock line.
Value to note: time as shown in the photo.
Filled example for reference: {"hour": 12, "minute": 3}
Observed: {"hour": 4, "minute": 12}
